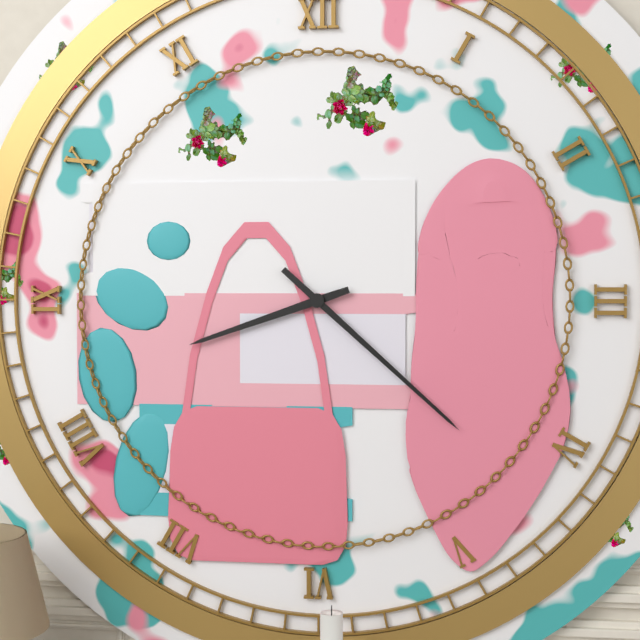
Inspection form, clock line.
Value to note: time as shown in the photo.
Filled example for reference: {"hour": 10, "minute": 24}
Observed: {"hour": 8, "minute": 22}
